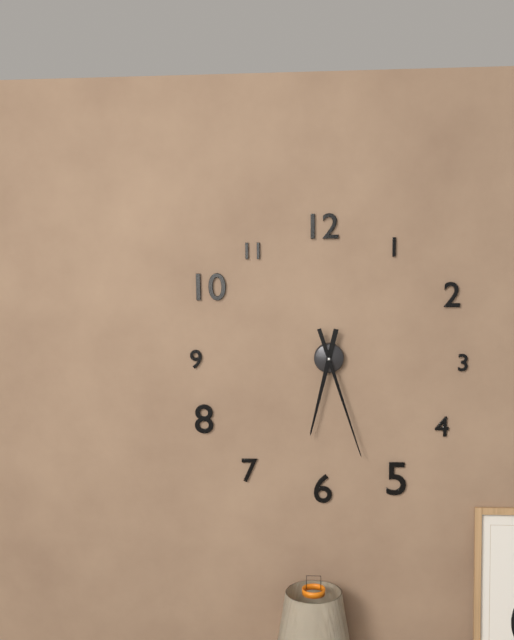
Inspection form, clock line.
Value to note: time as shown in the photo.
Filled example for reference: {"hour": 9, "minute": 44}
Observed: {"hour": 6, "minute": 27}
